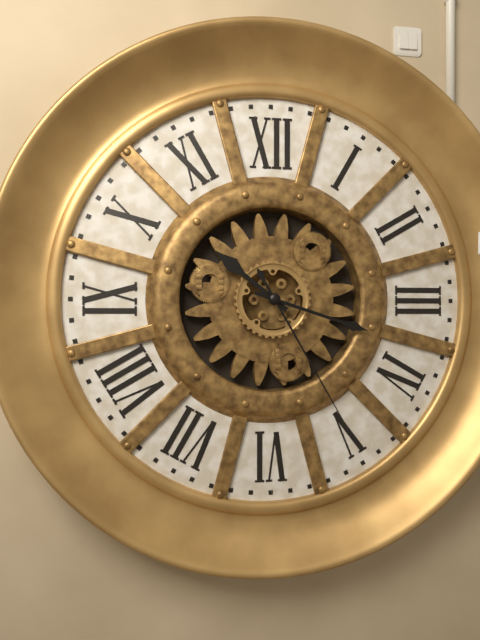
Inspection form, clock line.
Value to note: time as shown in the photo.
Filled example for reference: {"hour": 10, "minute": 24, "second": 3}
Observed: {"hour": 10, "minute": 18, "second": 25}
